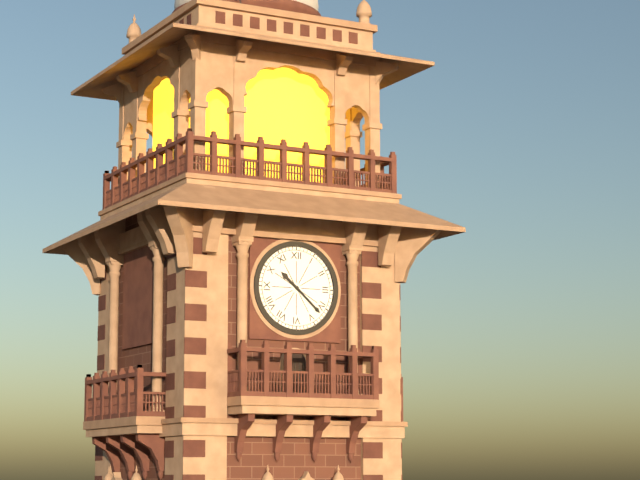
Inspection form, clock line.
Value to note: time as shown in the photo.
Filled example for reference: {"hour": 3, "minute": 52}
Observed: {"hour": 10, "minute": 22}
